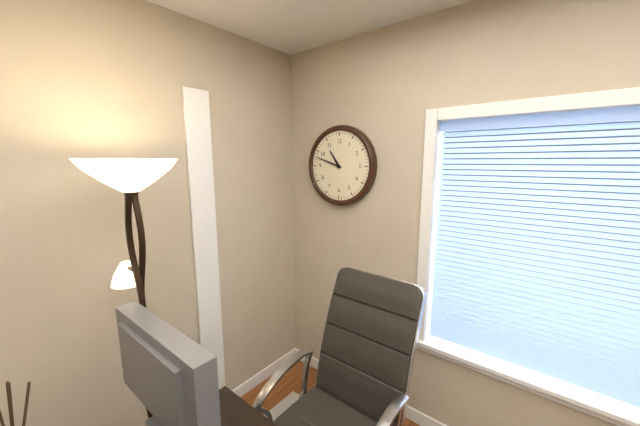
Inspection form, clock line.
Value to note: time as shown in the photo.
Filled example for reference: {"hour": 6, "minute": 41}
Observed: {"hour": 10, "minute": 48}
